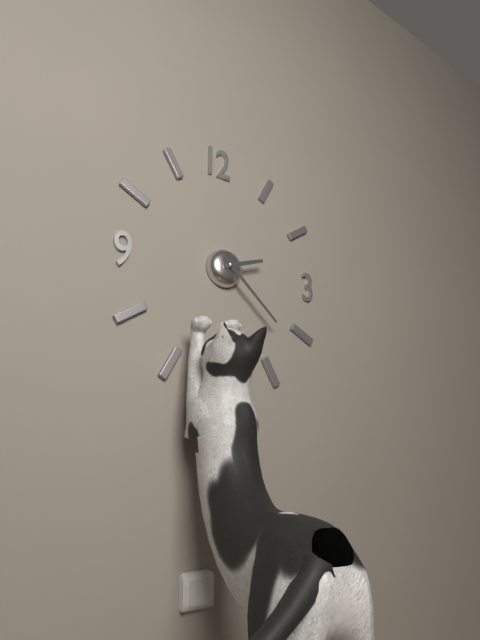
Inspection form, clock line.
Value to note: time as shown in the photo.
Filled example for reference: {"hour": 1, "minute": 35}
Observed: {"hour": 2, "minute": 22}
